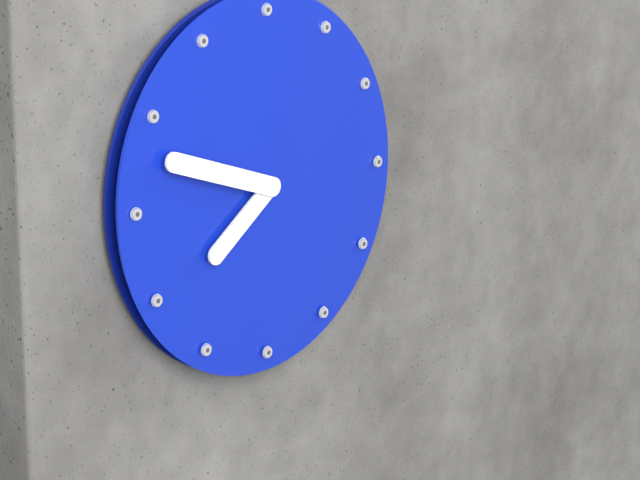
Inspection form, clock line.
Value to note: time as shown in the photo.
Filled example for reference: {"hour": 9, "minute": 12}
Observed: {"hour": 7, "minute": 48}
